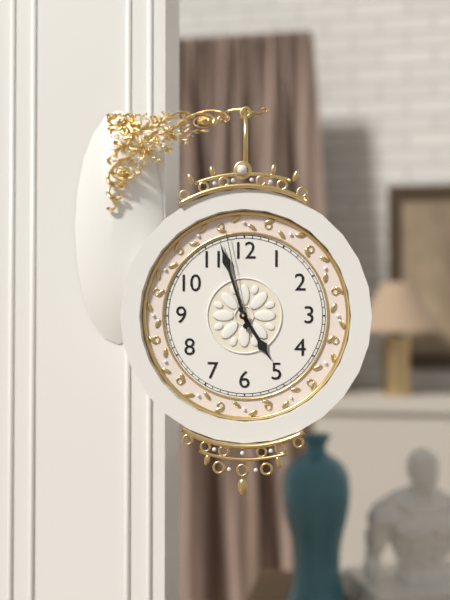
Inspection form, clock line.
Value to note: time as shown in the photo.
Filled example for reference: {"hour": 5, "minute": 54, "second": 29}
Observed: {"hour": 4, "minute": 57, "second": 58}
